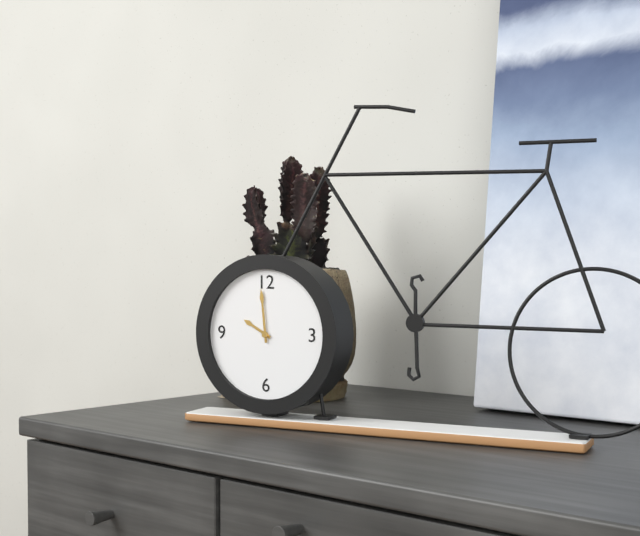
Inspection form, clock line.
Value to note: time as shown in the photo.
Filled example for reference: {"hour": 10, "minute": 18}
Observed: {"hour": 9, "minute": 59}
